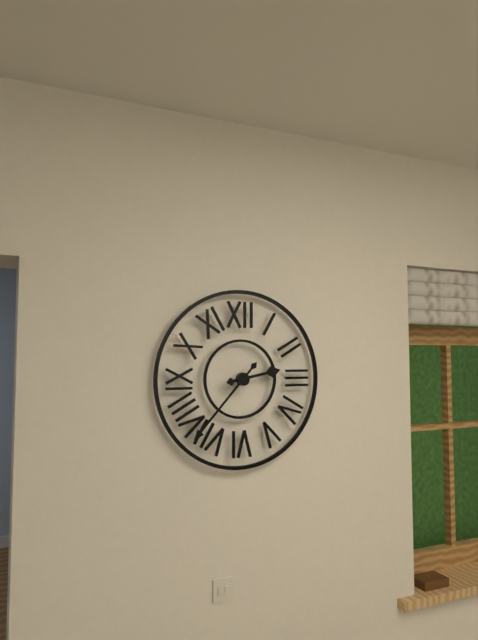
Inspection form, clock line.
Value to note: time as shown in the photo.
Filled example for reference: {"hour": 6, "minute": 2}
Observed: {"hour": 2, "minute": 37}
